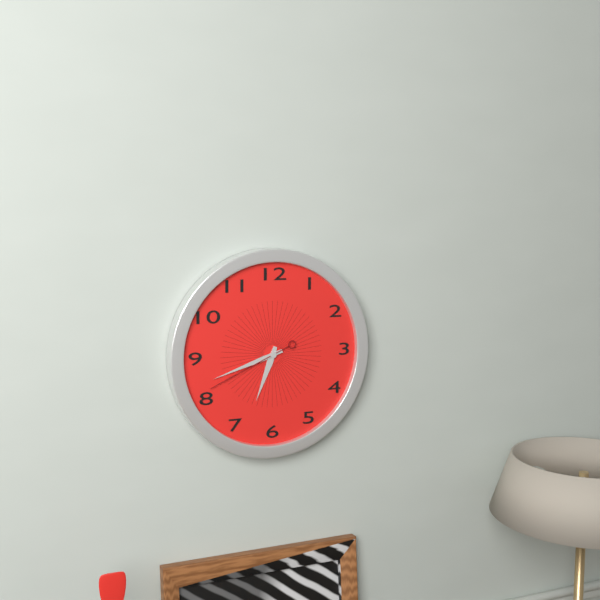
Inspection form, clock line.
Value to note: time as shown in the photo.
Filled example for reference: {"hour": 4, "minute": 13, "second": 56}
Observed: {"hour": 6, "minute": 42, "second": 41}
